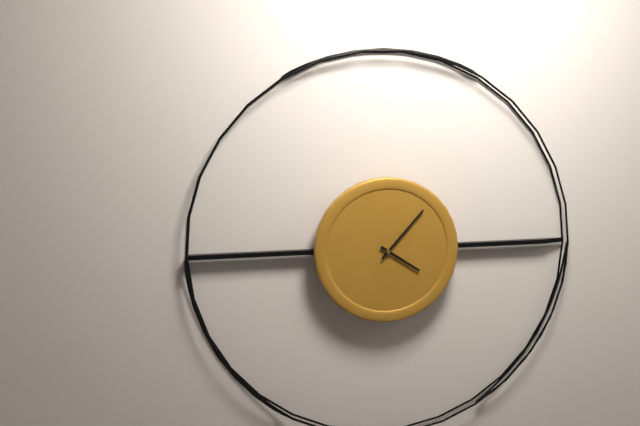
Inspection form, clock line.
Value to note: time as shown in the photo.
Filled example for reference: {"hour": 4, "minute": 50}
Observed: {"hour": 4, "minute": 7}
